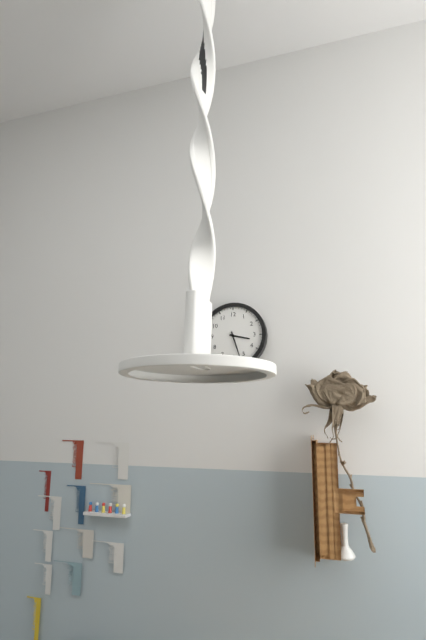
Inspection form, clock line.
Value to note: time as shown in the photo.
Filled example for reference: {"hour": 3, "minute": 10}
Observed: {"hour": 3, "minute": 27}
